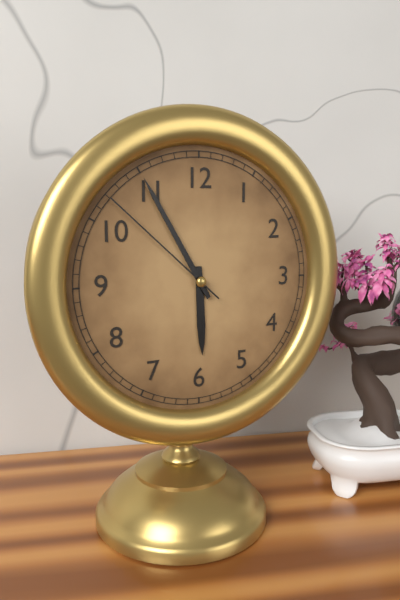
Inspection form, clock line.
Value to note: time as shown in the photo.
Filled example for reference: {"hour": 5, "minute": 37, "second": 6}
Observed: {"hour": 5, "minute": 55, "second": 52}
